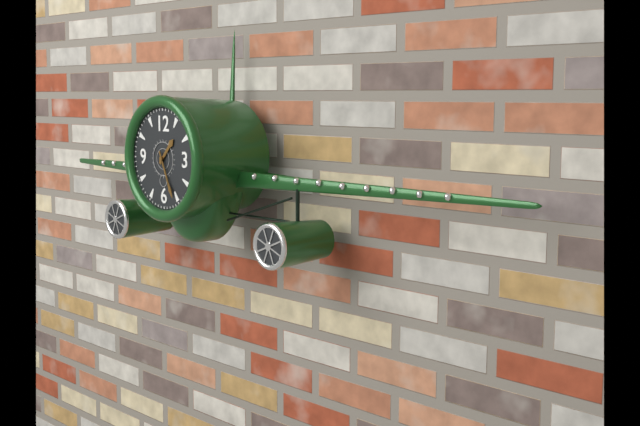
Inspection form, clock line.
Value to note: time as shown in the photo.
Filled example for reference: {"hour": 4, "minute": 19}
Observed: {"hour": 1, "minute": 26}
